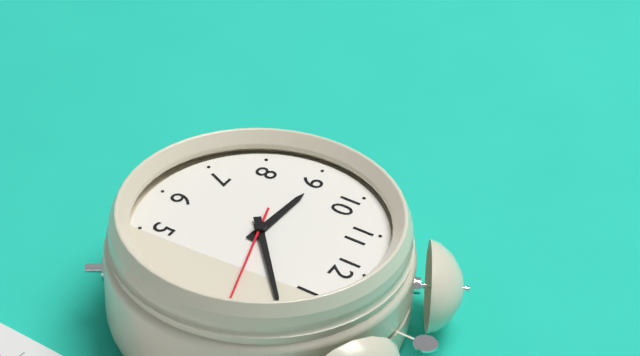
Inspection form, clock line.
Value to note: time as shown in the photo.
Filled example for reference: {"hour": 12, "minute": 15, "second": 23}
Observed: {"hour": 9, "minute": 8, "second": 12}
